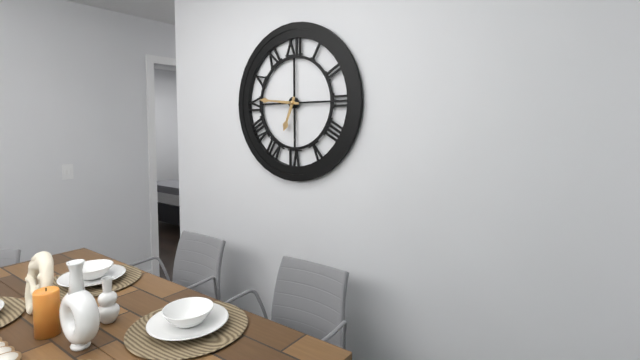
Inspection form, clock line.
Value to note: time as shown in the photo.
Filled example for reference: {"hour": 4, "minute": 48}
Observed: {"hour": 6, "minute": 46}
